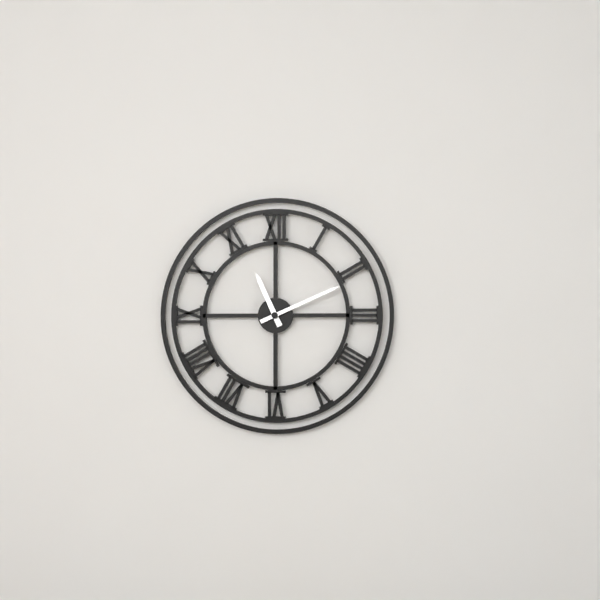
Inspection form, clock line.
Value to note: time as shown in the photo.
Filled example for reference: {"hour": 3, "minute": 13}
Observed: {"hour": 11, "minute": 11}
